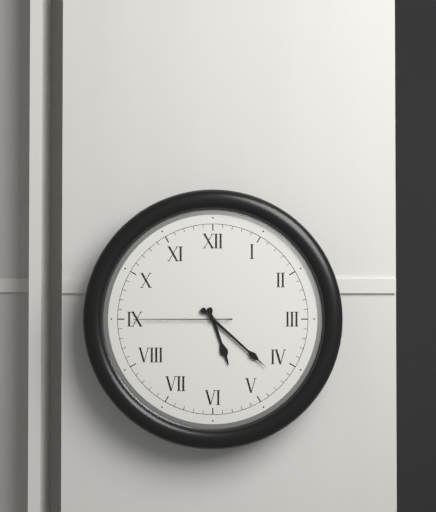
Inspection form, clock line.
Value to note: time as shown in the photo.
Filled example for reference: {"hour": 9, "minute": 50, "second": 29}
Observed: {"hour": 5, "minute": 22, "second": 45}
